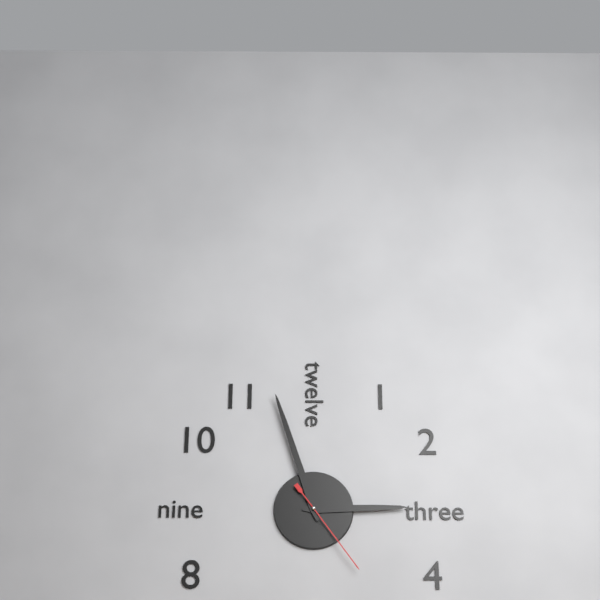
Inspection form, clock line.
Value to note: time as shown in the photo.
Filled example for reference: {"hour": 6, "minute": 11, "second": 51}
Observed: {"hour": 2, "minute": 57, "second": 24}
